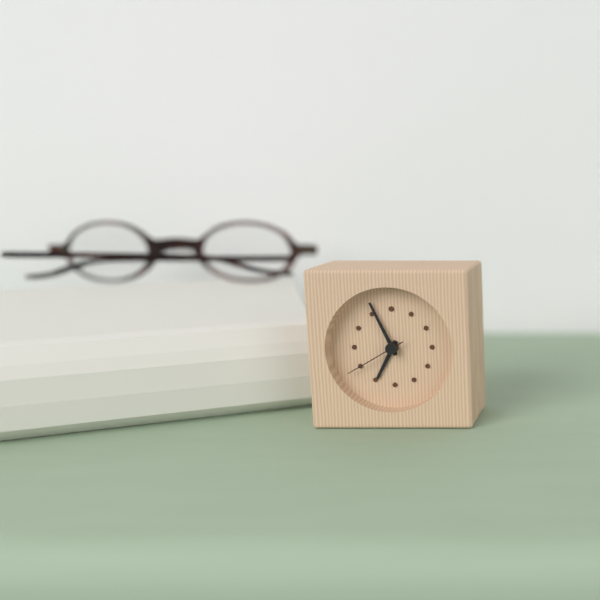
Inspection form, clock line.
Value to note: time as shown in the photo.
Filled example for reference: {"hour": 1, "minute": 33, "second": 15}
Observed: {"hour": 6, "minute": 56, "second": 40}
